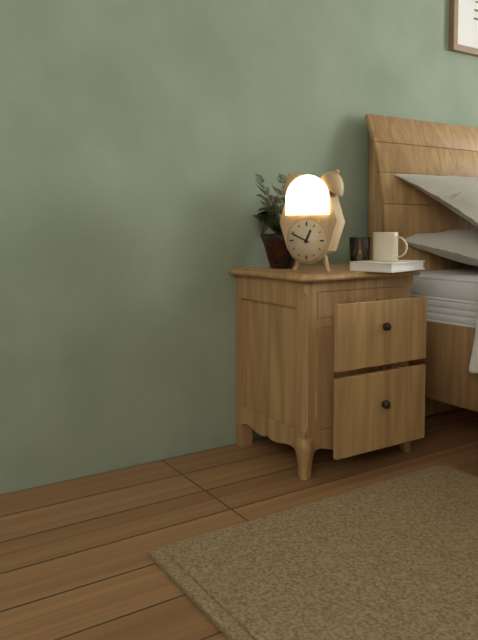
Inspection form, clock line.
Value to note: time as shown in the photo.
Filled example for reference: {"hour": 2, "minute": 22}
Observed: {"hour": 12, "minute": 49}
